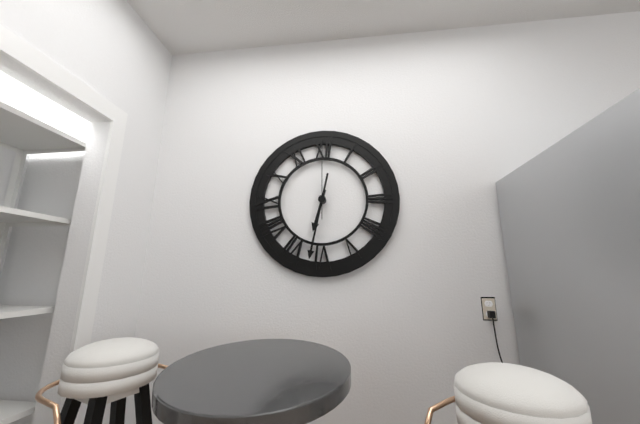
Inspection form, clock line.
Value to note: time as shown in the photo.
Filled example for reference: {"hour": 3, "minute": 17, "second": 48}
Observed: {"hour": 6, "minute": 32, "second": 0}
